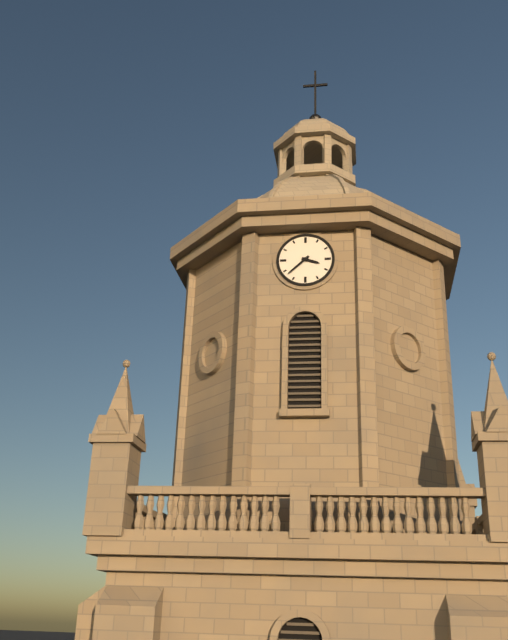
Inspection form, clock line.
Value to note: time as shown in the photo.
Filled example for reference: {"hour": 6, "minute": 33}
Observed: {"hour": 3, "minute": 38}
